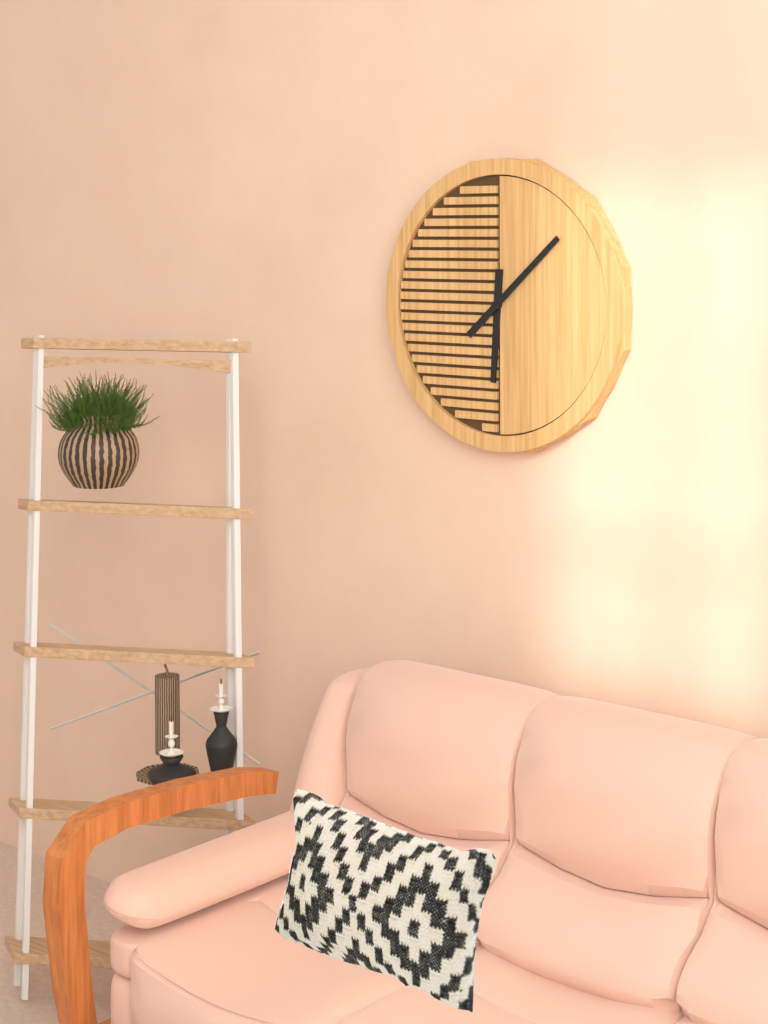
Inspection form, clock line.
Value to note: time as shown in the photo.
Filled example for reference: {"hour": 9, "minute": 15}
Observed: {"hour": 6, "minute": 8}
